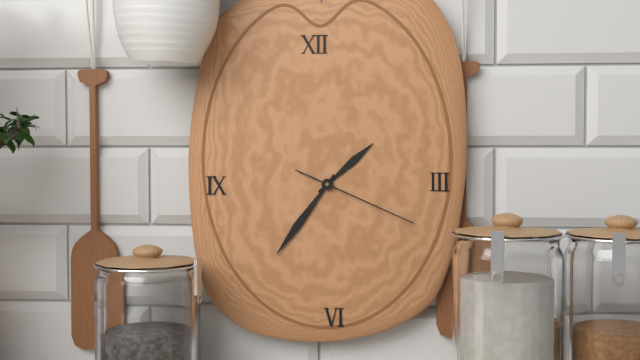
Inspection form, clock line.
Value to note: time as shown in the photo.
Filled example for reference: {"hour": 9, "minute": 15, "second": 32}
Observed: {"hour": 1, "minute": 36, "second": 19}
